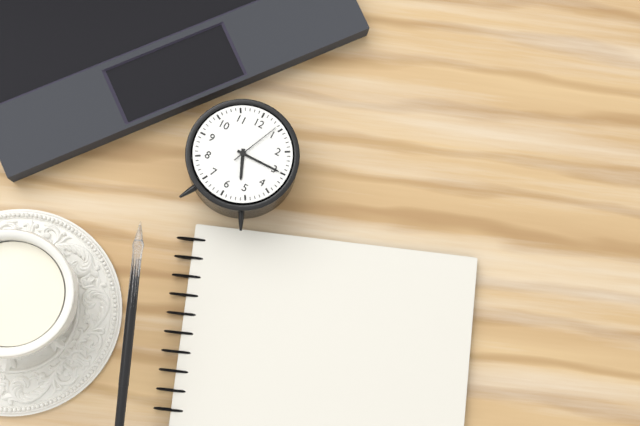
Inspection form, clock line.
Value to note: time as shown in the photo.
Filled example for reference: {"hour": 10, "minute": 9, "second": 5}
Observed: {"hour": 5, "minute": 15, "second": 4}
